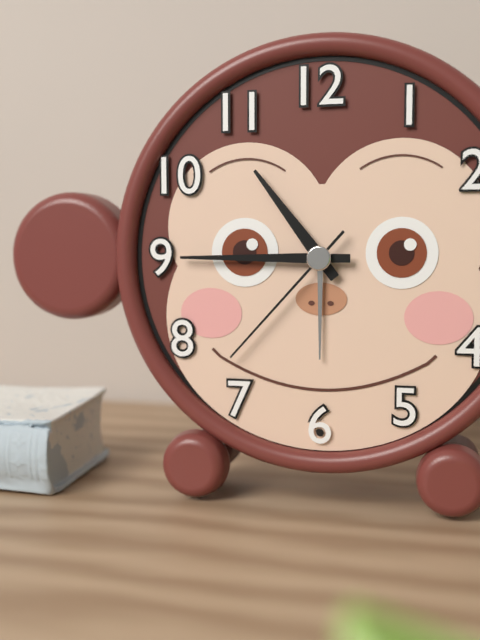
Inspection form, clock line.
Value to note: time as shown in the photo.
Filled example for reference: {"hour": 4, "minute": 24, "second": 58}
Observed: {"hour": 10, "minute": 45, "second": 37}
